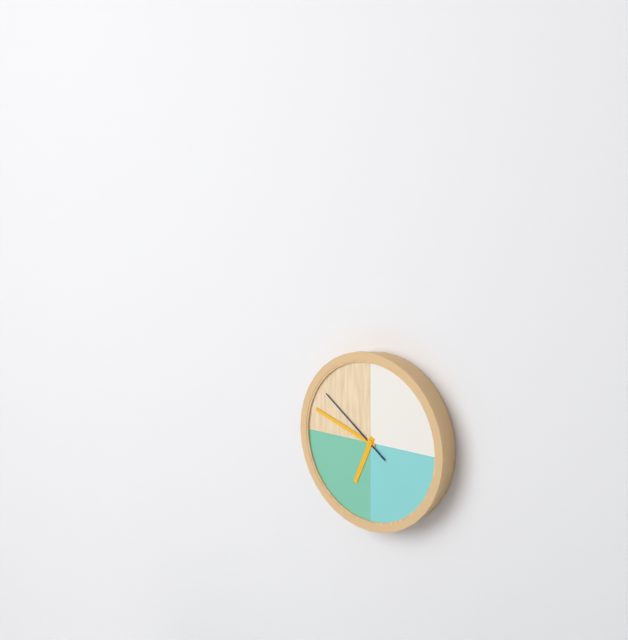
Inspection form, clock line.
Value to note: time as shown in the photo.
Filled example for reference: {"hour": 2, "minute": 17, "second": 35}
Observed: {"hour": 6, "minute": 48, "second": 51}
